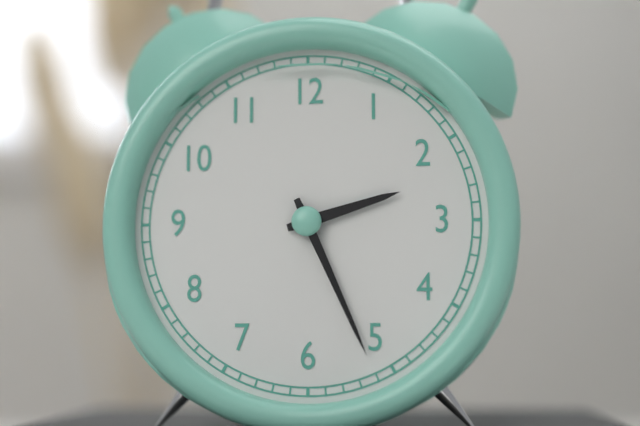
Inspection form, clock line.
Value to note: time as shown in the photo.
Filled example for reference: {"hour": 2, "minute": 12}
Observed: {"hour": 2, "minute": 26}
